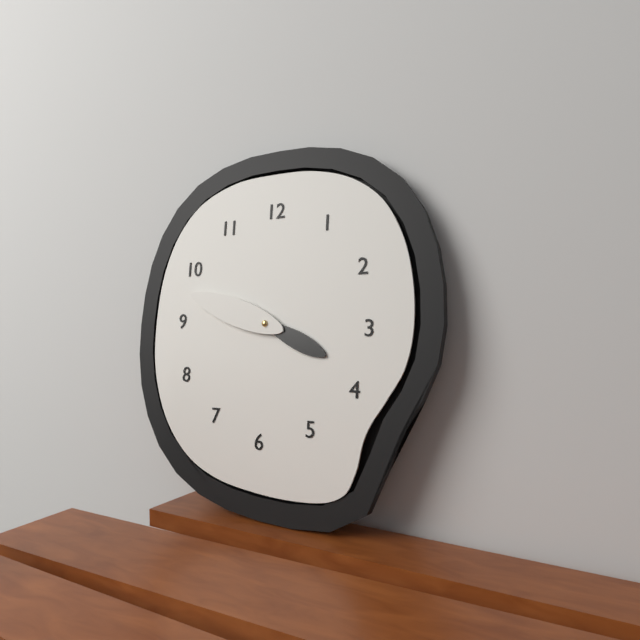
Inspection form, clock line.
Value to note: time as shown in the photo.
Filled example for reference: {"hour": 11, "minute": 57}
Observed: {"hour": 3, "minute": 48}
